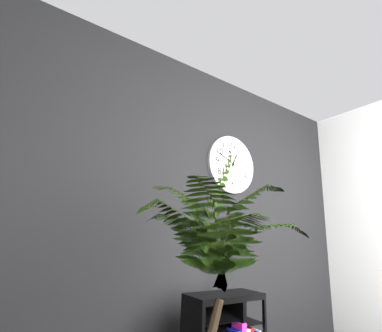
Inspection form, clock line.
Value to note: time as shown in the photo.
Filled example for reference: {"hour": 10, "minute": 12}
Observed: {"hour": 12, "minute": 49}
